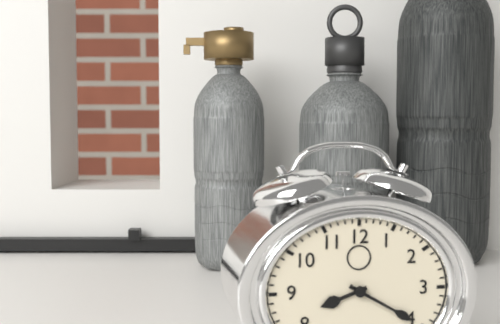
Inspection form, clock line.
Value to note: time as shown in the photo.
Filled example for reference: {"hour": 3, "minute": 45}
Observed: {"hour": 8, "minute": 20}
